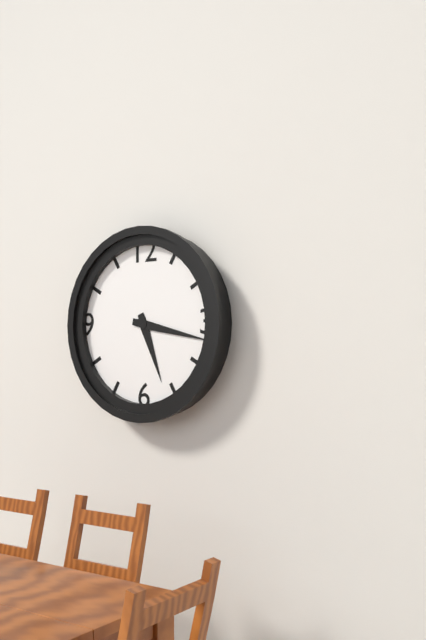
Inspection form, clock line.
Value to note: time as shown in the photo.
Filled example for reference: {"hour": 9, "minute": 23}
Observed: {"hour": 5, "minute": 17}
